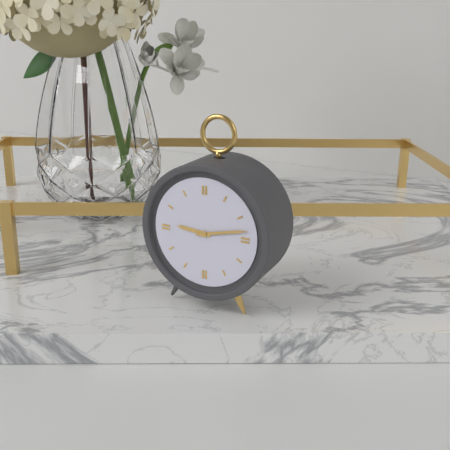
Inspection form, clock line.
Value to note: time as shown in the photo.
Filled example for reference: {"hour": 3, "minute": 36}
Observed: {"hour": 9, "minute": 13}
